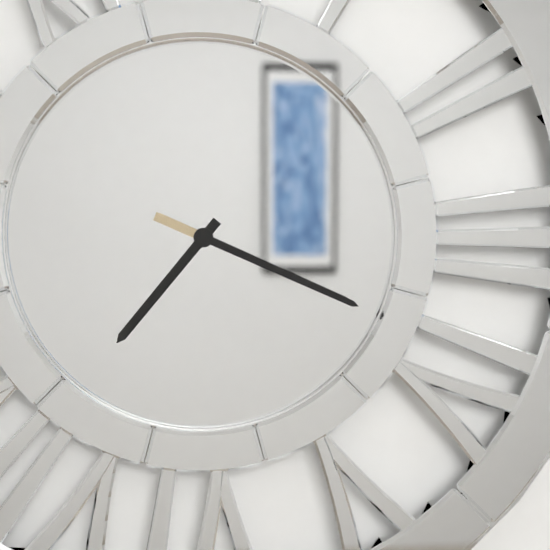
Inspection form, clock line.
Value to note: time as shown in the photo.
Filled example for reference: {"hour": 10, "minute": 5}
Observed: {"hour": 7, "minute": 19}
